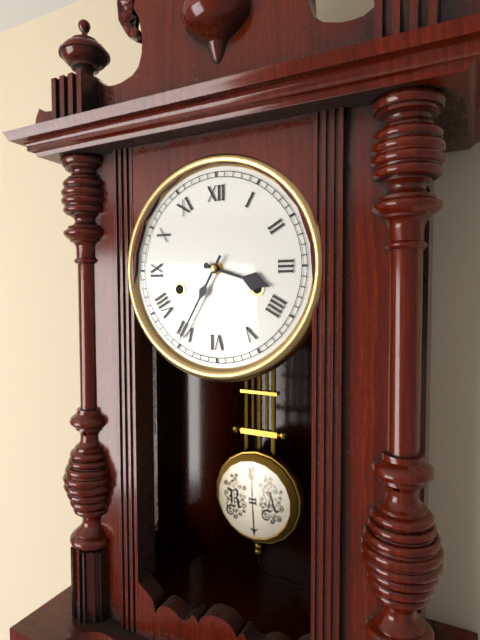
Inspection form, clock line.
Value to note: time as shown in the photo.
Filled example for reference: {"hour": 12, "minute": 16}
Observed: {"hour": 3, "minute": 35}
